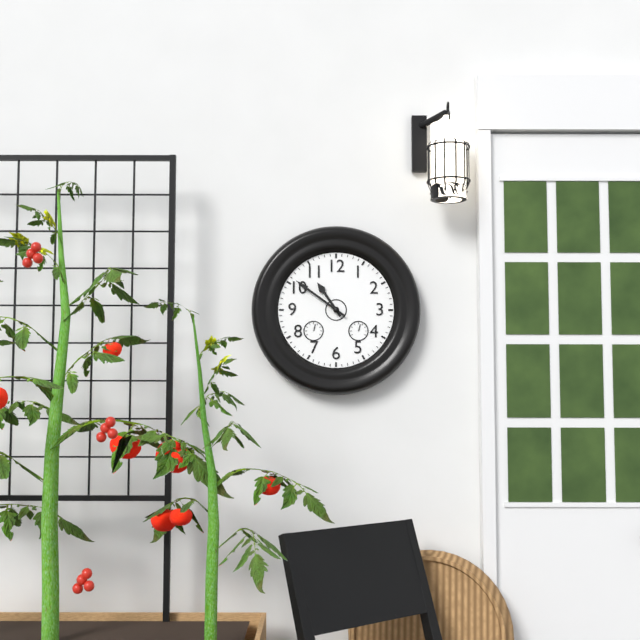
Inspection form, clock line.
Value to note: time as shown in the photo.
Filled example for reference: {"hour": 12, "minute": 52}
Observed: {"hour": 10, "minute": 51}
